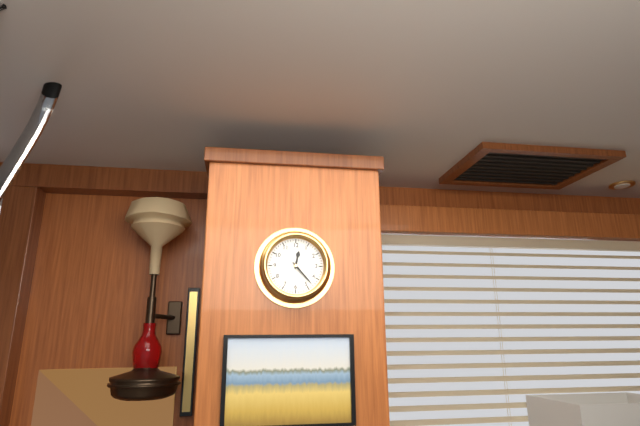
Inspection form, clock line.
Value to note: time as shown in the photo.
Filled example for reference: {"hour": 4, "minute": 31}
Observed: {"hour": 12, "minute": 23}
